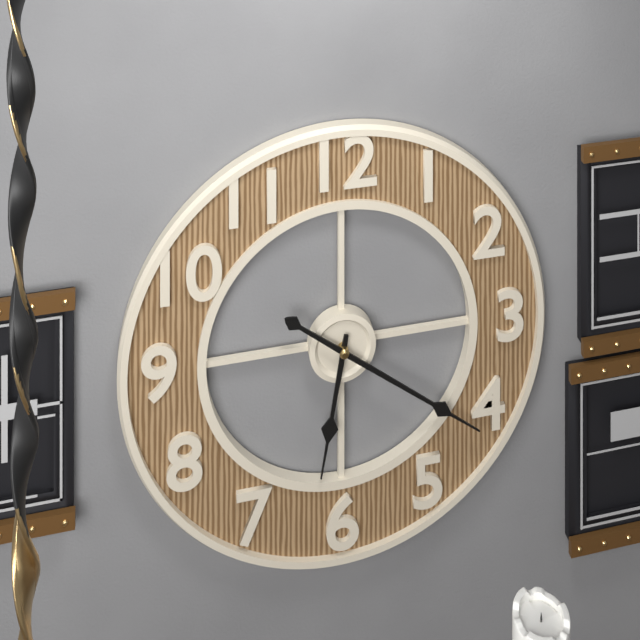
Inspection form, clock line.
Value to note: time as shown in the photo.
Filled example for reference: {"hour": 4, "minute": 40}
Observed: {"hour": 6, "minute": 21}
